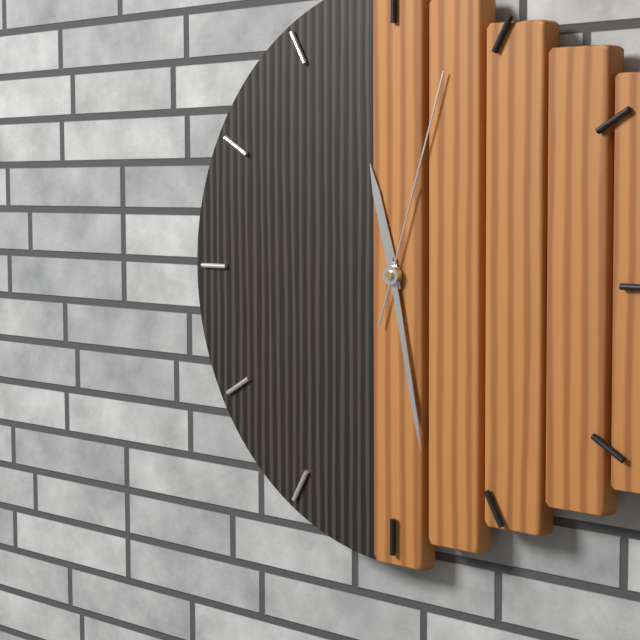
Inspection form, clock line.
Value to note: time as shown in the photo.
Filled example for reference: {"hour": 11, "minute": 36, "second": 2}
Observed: {"hour": 11, "minute": 28, "second": 3}
